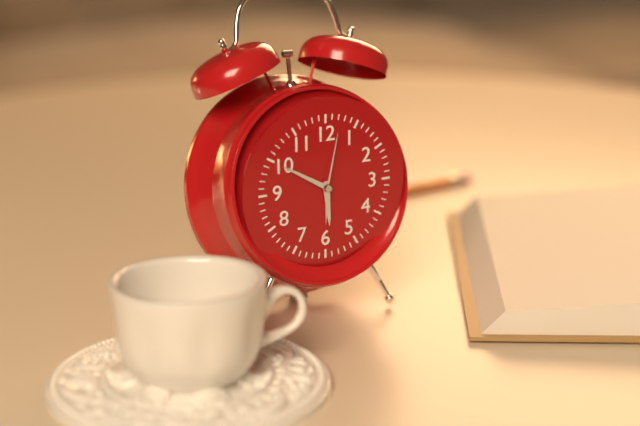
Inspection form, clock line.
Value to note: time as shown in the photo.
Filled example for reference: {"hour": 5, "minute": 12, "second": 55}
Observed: {"hour": 5, "minute": 50, "second": 2}
